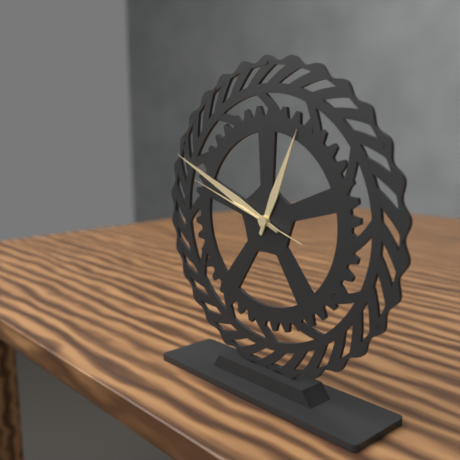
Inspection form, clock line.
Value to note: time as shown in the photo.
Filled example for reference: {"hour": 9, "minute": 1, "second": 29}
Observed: {"hour": 12, "minute": 49, "second": 48}
